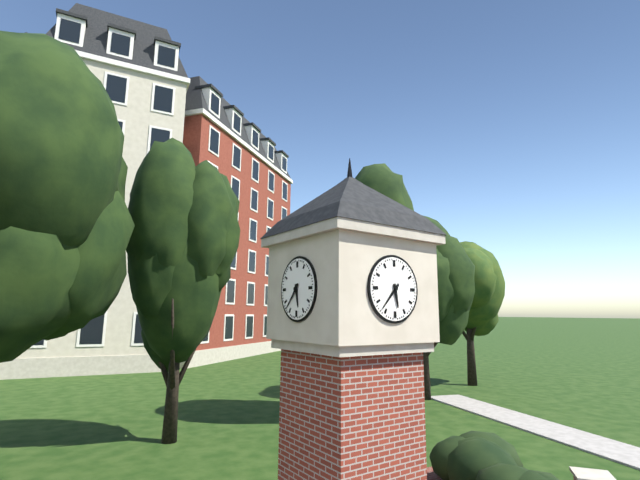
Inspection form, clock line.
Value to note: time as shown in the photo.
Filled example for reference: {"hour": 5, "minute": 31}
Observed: {"hour": 5, "minute": 37}
